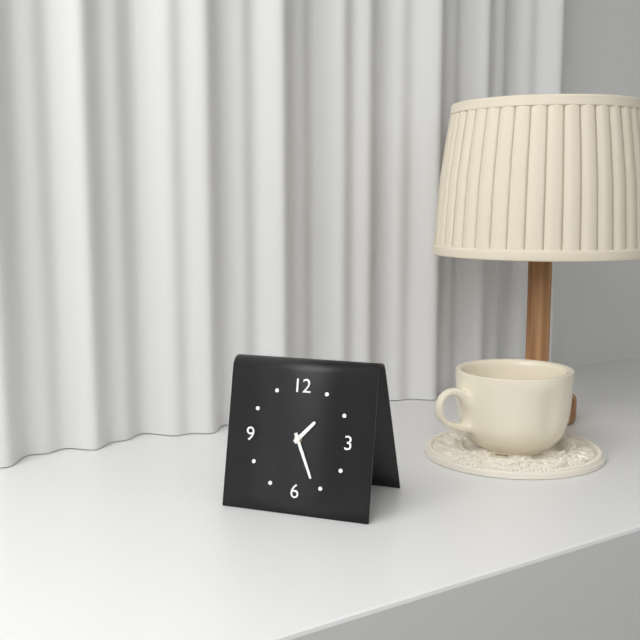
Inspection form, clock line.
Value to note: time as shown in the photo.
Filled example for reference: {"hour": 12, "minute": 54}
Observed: {"hour": 1, "minute": 26}
